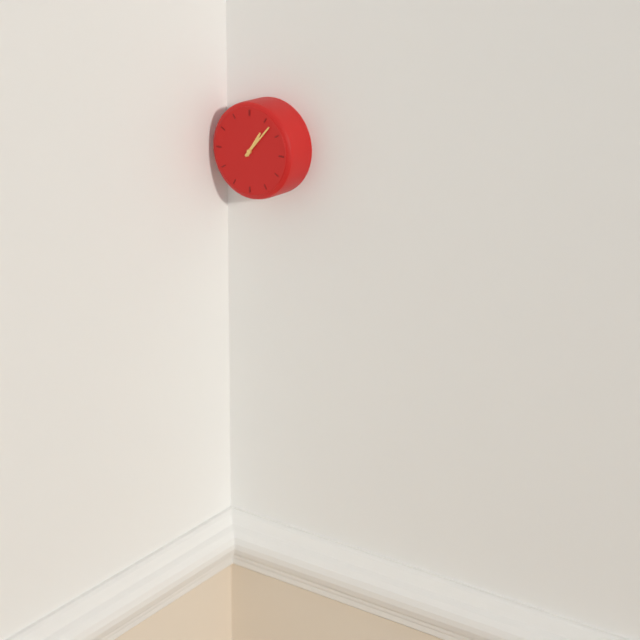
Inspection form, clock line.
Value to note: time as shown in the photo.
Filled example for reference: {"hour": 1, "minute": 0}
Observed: {"hour": 1, "minute": 7}
